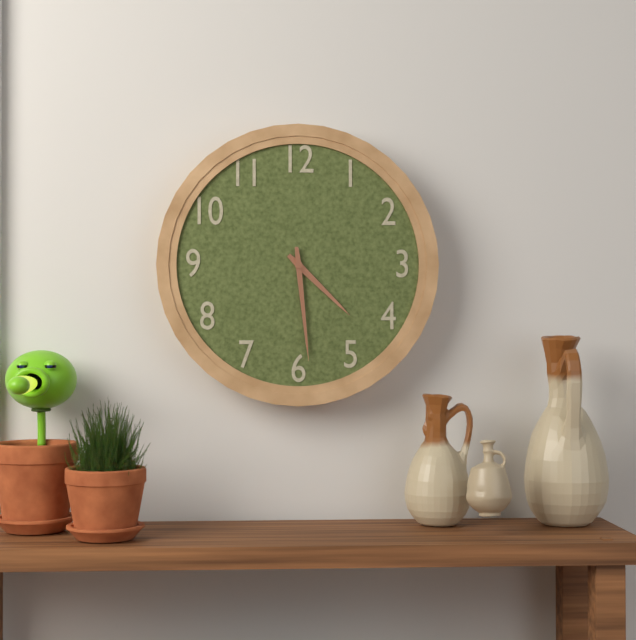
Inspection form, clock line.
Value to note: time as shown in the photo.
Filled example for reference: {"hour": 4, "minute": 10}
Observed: {"hour": 4, "minute": 29}
